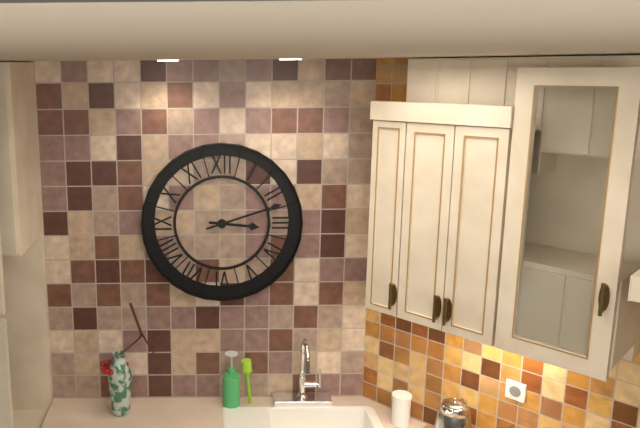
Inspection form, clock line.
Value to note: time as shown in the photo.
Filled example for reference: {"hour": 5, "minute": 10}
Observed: {"hour": 3, "minute": 12}
